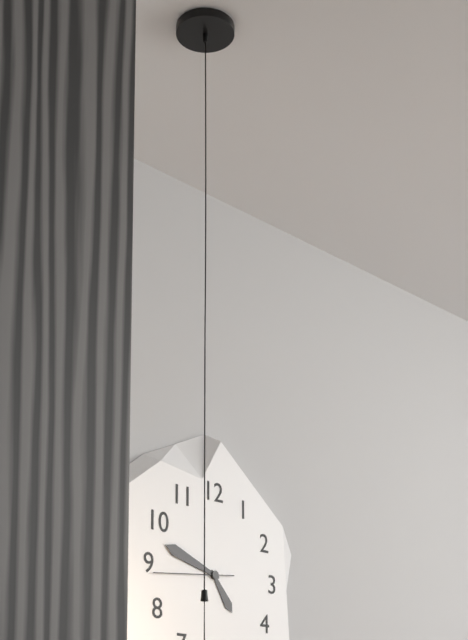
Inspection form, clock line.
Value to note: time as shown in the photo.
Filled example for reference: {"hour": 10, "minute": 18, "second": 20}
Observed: {"hour": 4, "minute": 48, "second": 44}
